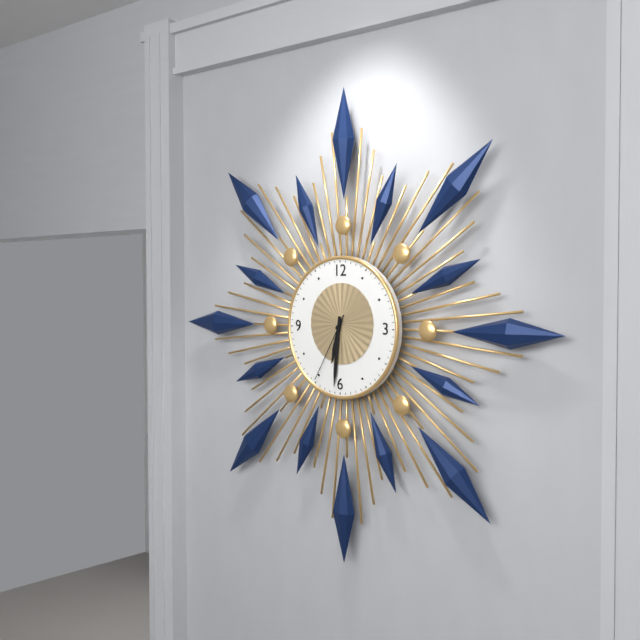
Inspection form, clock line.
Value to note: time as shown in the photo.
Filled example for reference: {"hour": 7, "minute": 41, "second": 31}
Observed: {"hour": 6, "minute": 31, "second": 35}
